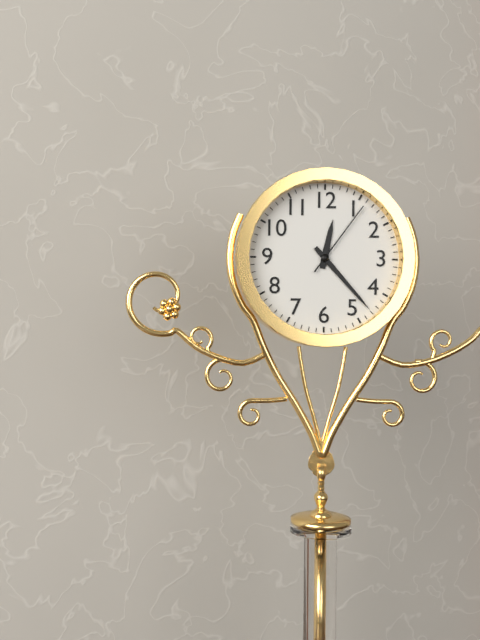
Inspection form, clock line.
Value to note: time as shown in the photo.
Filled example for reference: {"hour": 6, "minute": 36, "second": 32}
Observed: {"hour": 12, "minute": 23, "second": 6}
